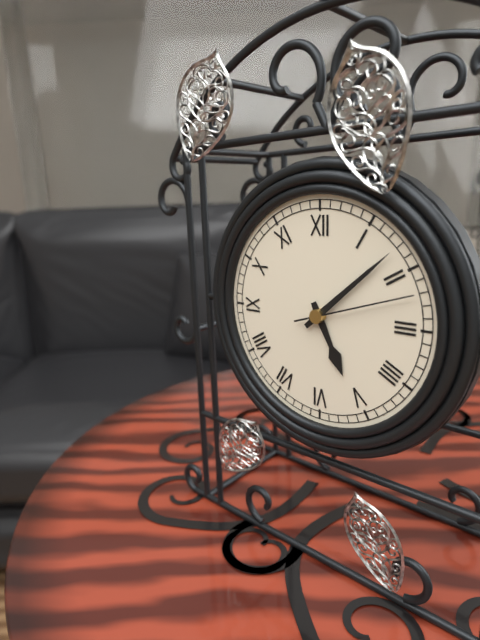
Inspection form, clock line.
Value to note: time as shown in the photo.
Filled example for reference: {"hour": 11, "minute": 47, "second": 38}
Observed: {"hour": 5, "minute": 8, "second": 12}
